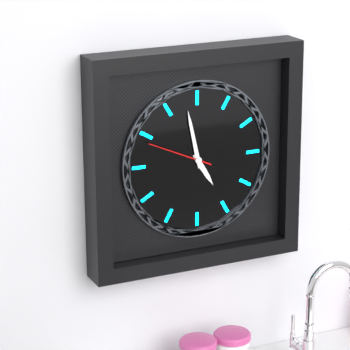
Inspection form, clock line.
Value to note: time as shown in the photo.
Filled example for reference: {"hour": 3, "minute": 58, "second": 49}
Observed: {"hour": 4, "minute": 58, "second": 49}
